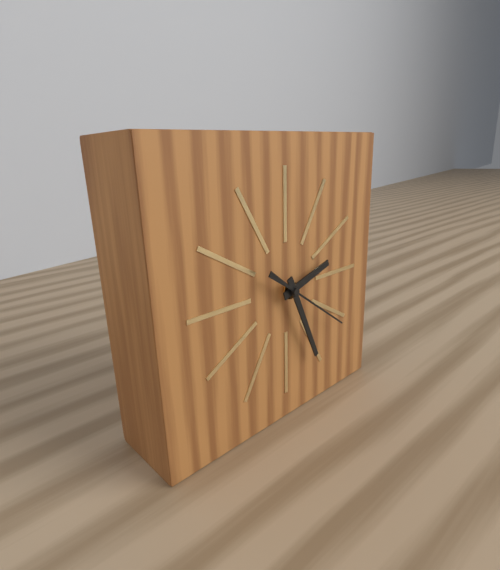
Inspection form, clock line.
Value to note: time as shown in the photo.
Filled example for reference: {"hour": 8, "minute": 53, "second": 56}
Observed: {"hour": 2, "minute": 26, "second": 21}
